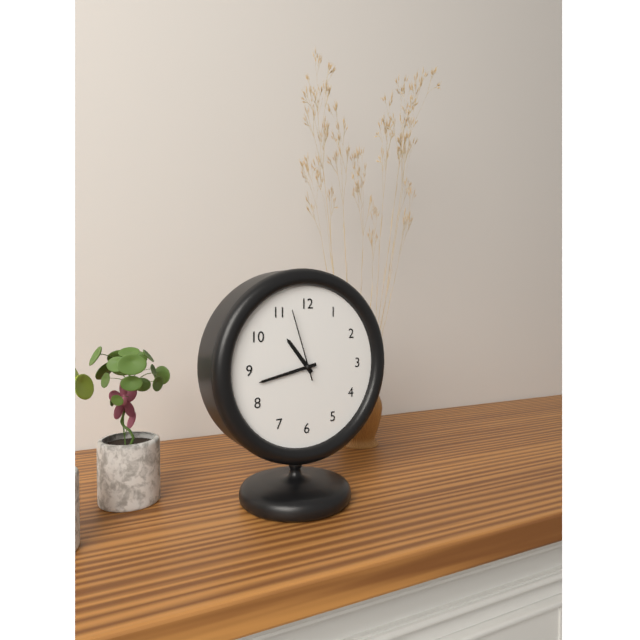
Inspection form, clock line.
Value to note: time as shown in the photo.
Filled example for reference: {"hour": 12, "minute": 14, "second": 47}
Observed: {"hour": 10, "minute": 43, "second": 57}
